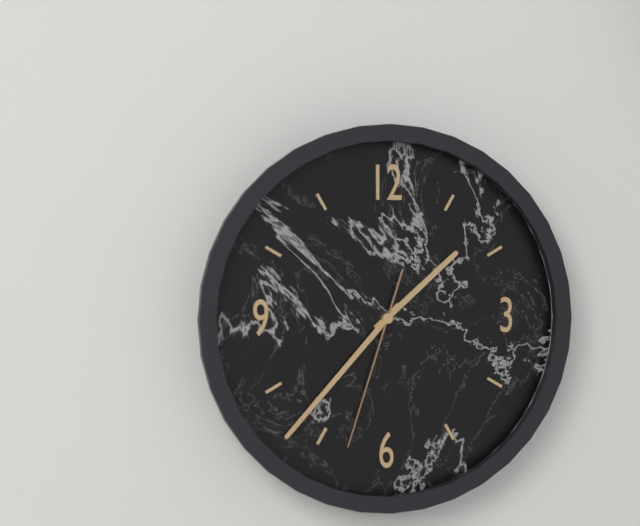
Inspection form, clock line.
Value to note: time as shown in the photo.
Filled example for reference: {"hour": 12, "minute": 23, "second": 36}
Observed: {"hour": 1, "minute": 37, "second": 33}
